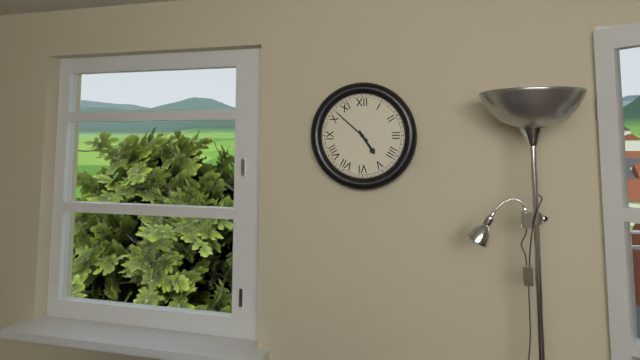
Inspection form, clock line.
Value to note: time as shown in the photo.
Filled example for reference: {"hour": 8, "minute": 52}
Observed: {"hour": 4, "minute": 52}
